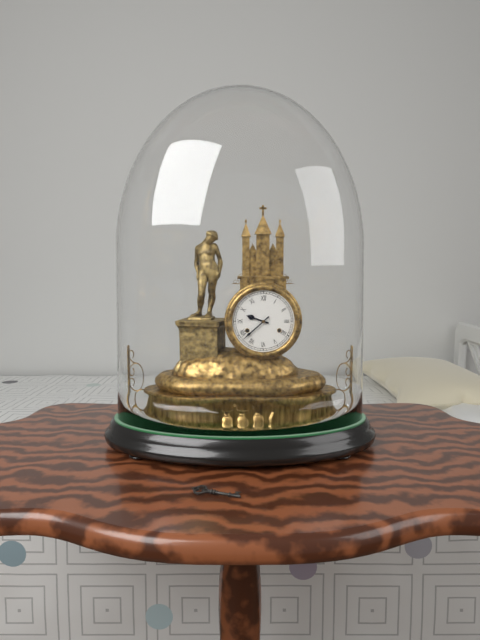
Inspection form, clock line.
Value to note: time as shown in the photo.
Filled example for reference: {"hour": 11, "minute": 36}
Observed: {"hour": 9, "minute": 38}
